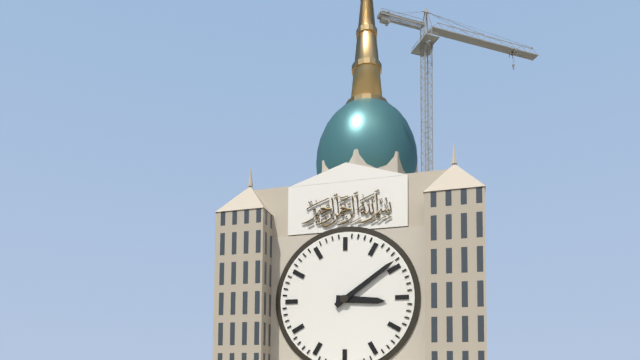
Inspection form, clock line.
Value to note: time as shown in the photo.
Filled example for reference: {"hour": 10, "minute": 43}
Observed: {"hour": 3, "minute": 9}
